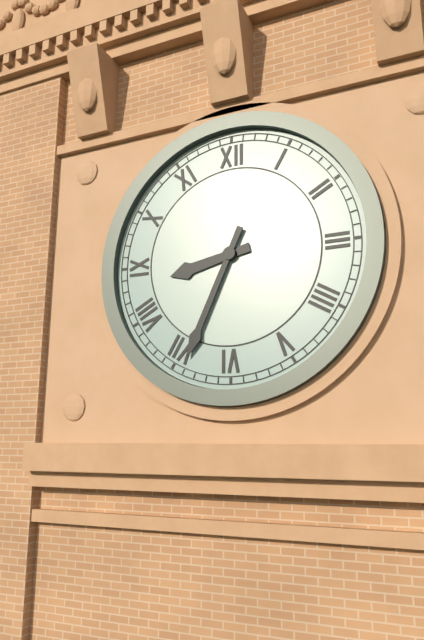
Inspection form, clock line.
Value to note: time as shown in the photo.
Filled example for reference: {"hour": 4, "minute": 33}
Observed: {"hour": 8, "minute": 34}
